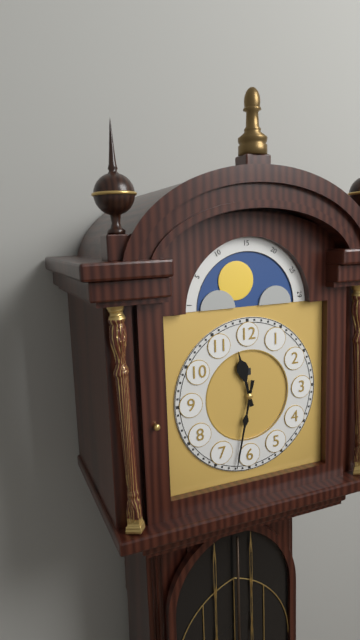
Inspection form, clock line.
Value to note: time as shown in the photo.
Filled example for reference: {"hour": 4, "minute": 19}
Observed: {"hour": 11, "minute": 32}
